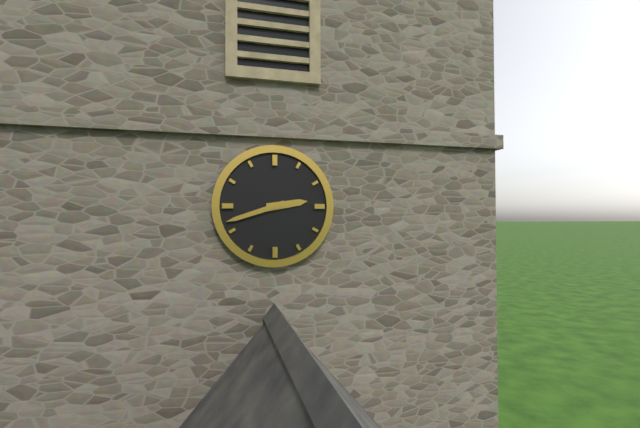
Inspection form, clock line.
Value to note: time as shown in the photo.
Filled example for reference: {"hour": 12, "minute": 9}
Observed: {"hour": 2, "minute": 42}
